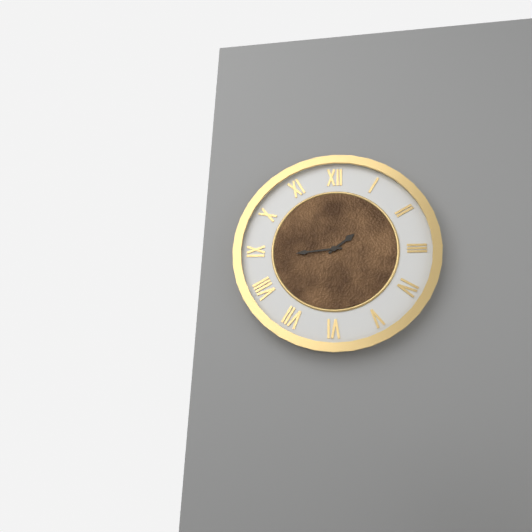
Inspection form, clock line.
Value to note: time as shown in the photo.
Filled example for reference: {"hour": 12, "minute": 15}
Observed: {"hour": 1, "minute": 44}
